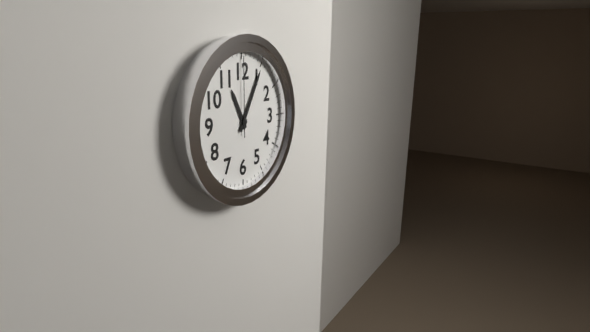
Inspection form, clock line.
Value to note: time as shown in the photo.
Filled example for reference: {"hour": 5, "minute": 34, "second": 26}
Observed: {"hour": 11, "minute": 5, "second": 0}
